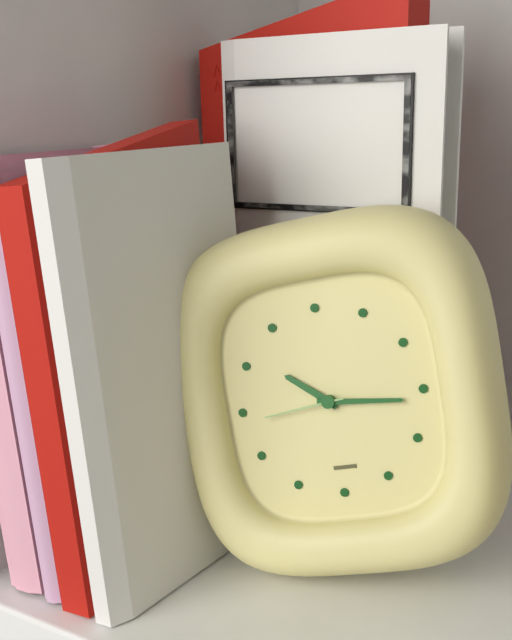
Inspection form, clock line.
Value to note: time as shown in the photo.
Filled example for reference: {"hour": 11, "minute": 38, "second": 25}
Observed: {"hour": 10, "minute": 16, "second": 44}
